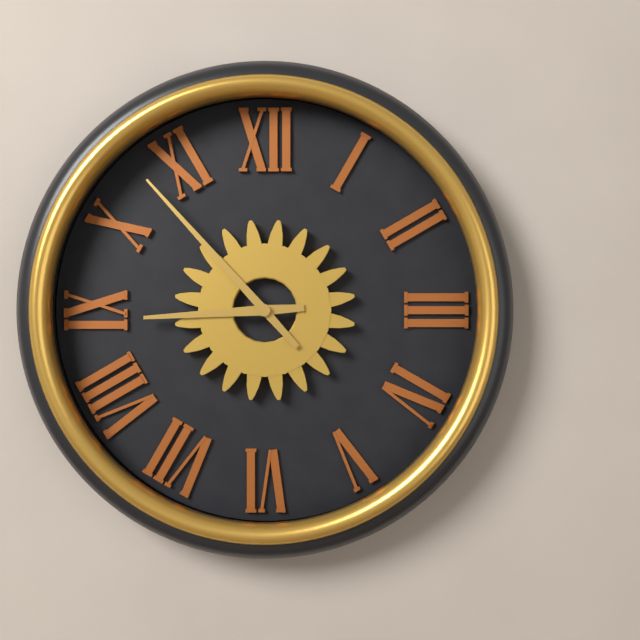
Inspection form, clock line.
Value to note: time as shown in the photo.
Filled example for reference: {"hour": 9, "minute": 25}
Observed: {"hour": 8, "minute": 53}
